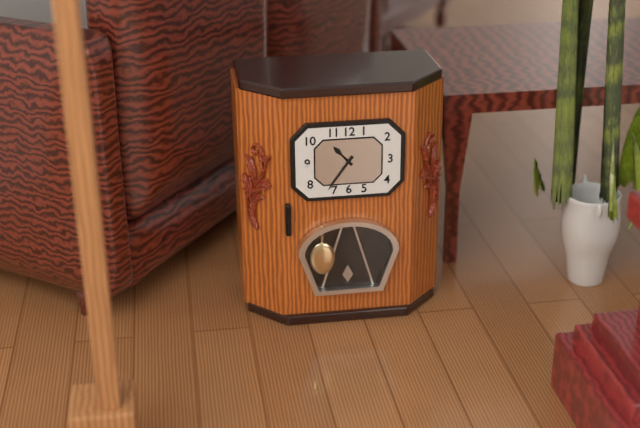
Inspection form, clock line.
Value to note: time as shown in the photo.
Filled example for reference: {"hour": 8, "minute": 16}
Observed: {"hour": 10, "minute": 36}
